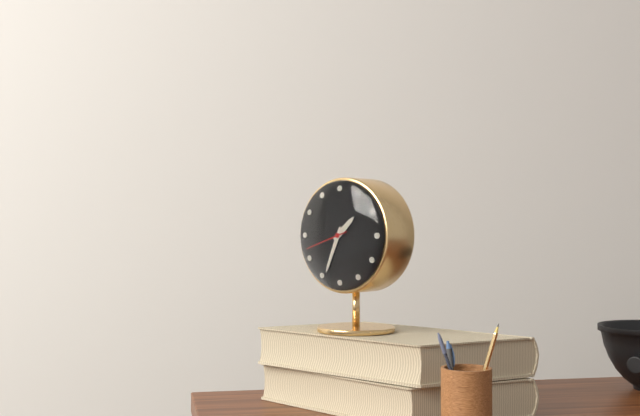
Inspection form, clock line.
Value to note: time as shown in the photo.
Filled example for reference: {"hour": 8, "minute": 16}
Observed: {"hour": 1, "minute": 34}
